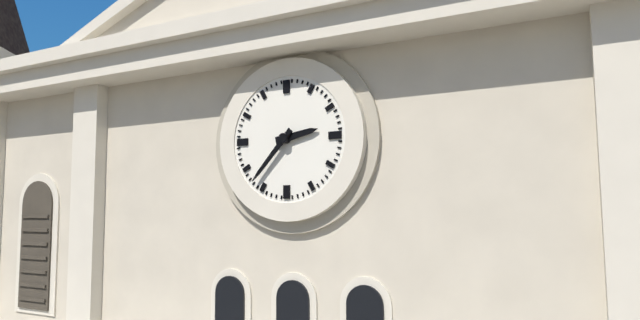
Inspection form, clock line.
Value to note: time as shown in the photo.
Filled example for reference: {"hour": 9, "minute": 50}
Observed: {"hour": 2, "minute": 37}
